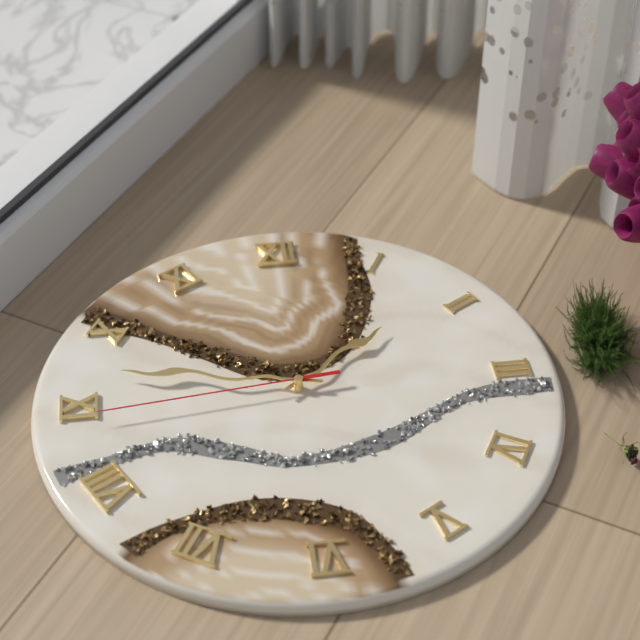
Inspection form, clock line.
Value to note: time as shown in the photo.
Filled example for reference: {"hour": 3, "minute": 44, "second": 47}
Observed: {"hour": 1, "minute": 47, "second": 44}
